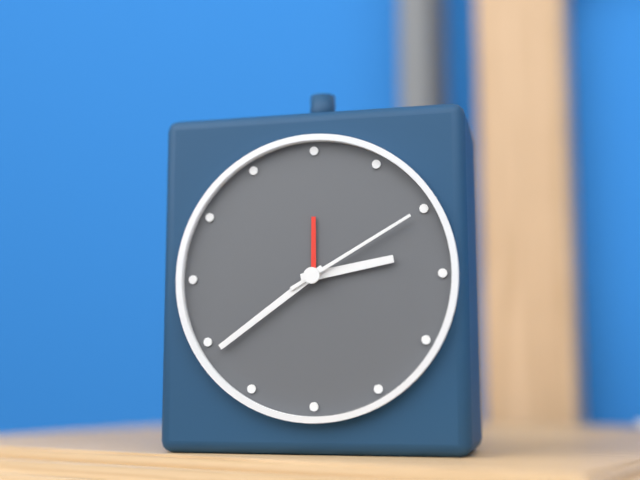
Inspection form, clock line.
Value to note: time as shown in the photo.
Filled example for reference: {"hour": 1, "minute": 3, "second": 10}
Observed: {"hour": 2, "minute": 39, "second": 10}
